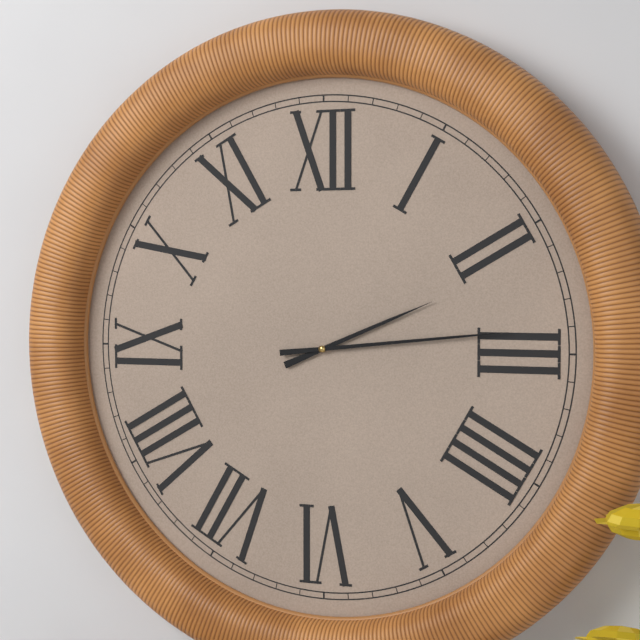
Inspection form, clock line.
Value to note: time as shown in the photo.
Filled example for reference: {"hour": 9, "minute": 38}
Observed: {"hour": 2, "minute": 14}
